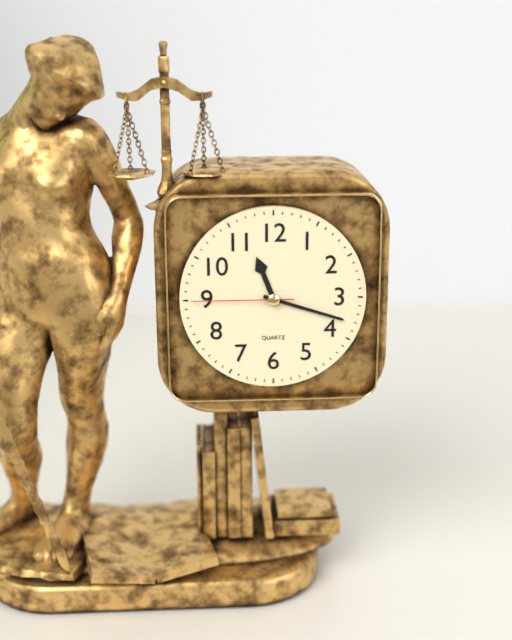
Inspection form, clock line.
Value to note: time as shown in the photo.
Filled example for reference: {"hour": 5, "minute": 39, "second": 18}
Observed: {"hour": 11, "minute": 18, "second": 45}
